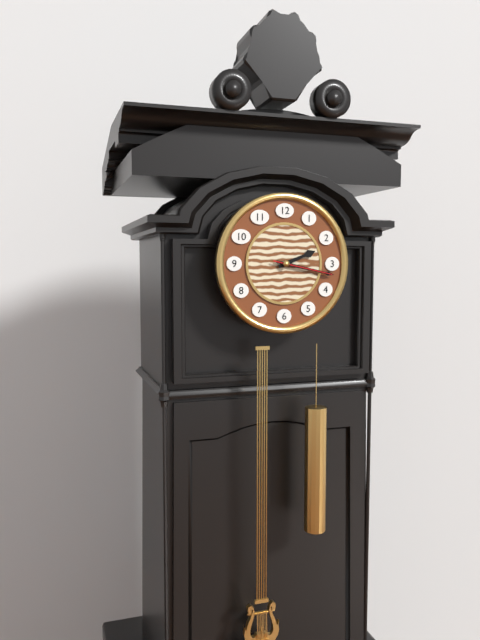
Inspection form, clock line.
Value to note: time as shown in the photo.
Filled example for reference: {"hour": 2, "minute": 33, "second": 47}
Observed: {"hour": 2, "minute": 17, "second": 17}
